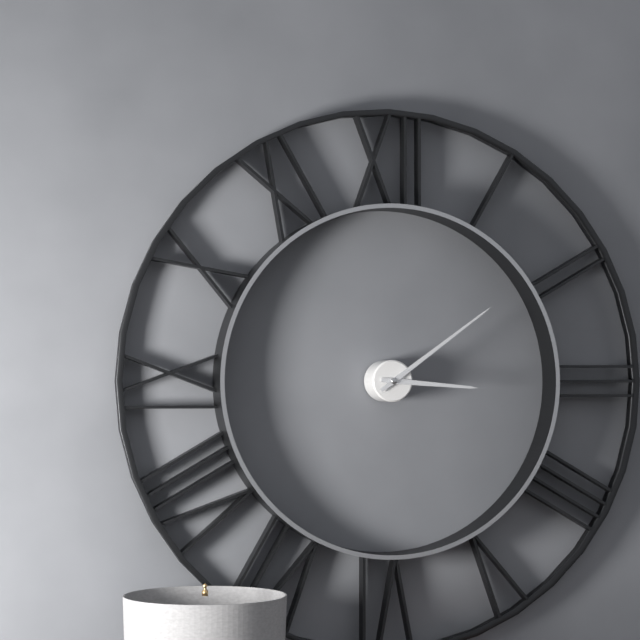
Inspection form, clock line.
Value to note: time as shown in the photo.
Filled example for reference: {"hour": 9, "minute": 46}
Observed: {"hour": 3, "minute": 9}
